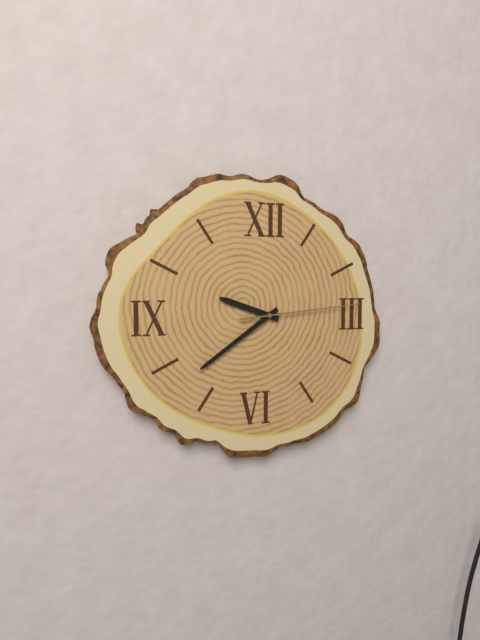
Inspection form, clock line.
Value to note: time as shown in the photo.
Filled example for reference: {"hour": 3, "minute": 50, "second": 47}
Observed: {"hour": 9, "minute": 39, "second": 14}
